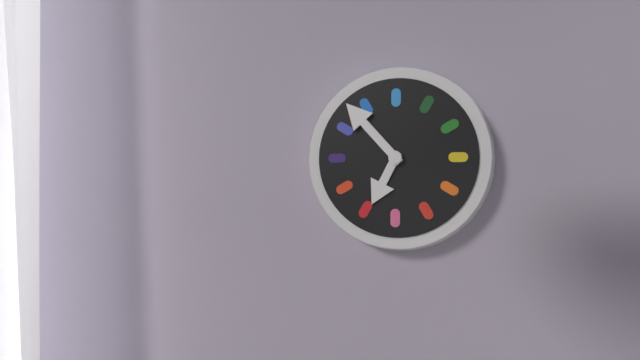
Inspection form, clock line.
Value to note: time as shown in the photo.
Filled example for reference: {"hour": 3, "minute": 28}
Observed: {"hour": 6, "minute": 53}
